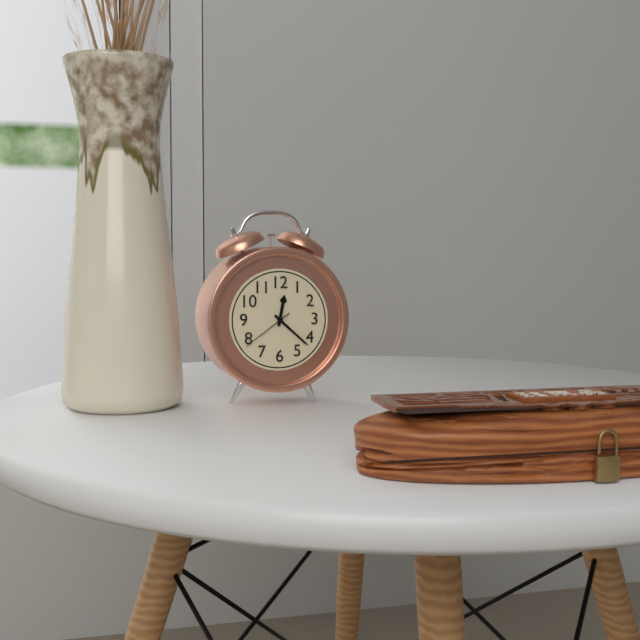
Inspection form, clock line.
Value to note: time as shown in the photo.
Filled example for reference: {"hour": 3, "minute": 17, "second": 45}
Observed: {"hour": 12, "minute": 22, "second": 39}
